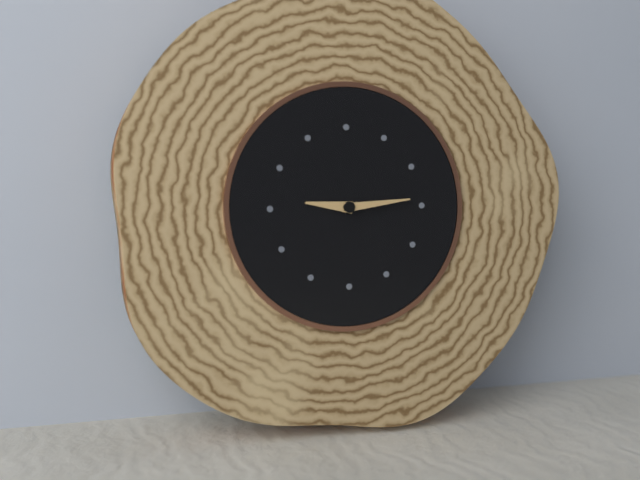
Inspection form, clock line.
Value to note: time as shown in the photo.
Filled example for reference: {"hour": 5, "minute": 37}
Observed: {"hour": 9, "minute": 14}
